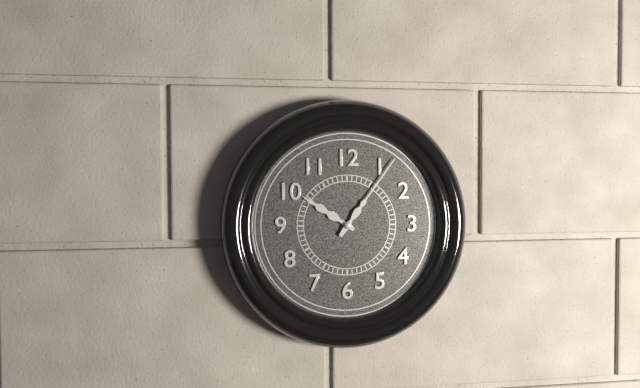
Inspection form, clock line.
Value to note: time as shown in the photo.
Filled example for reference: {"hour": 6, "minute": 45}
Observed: {"hour": 10, "minute": 6}
